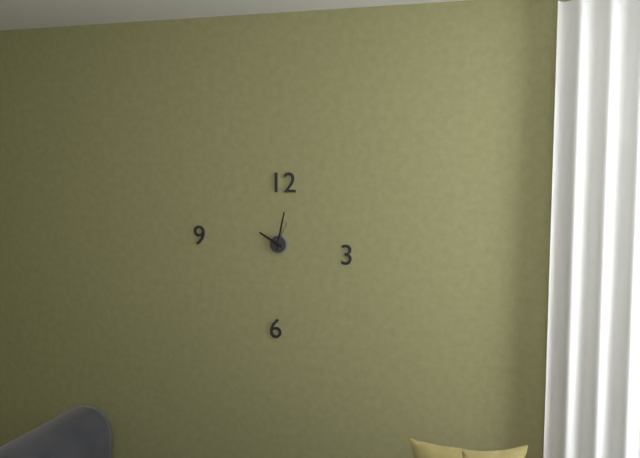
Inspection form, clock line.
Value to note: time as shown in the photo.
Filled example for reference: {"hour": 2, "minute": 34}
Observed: {"hour": 10, "minute": 2}
